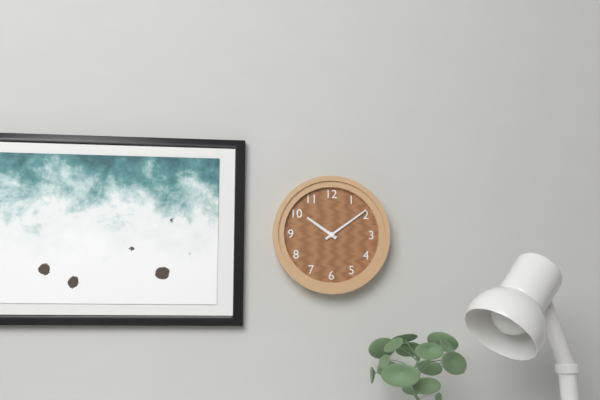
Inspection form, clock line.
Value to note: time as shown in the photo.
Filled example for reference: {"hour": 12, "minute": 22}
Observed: {"hour": 10, "minute": 9}
